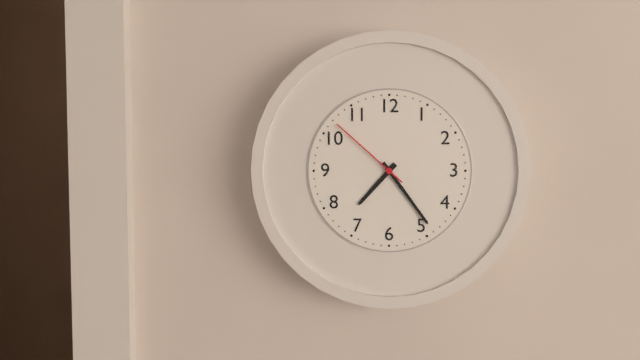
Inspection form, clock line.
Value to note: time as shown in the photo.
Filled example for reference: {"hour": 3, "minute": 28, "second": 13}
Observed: {"hour": 7, "minute": 24, "second": 52}
